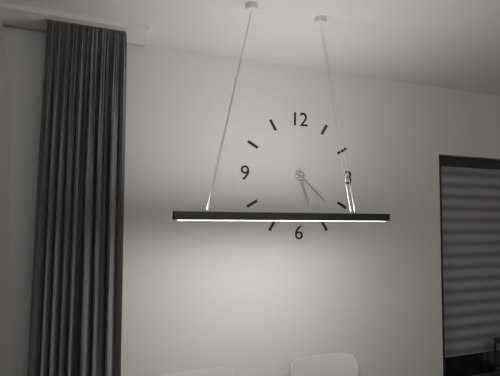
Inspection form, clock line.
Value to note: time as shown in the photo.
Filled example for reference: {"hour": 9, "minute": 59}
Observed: {"hour": 5, "minute": 22}
